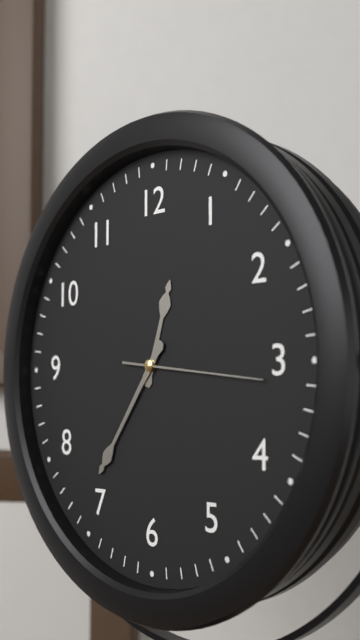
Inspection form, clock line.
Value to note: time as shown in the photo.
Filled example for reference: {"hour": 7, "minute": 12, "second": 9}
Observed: {"hour": 12, "minute": 36, "second": 16}
